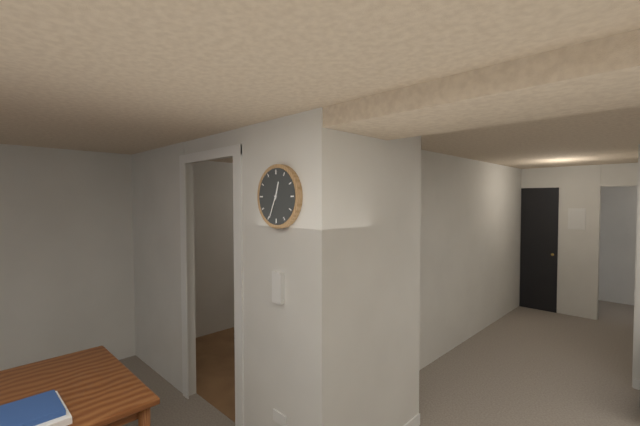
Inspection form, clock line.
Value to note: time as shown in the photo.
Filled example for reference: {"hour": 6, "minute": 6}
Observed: {"hour": 12, "minute": 34}
